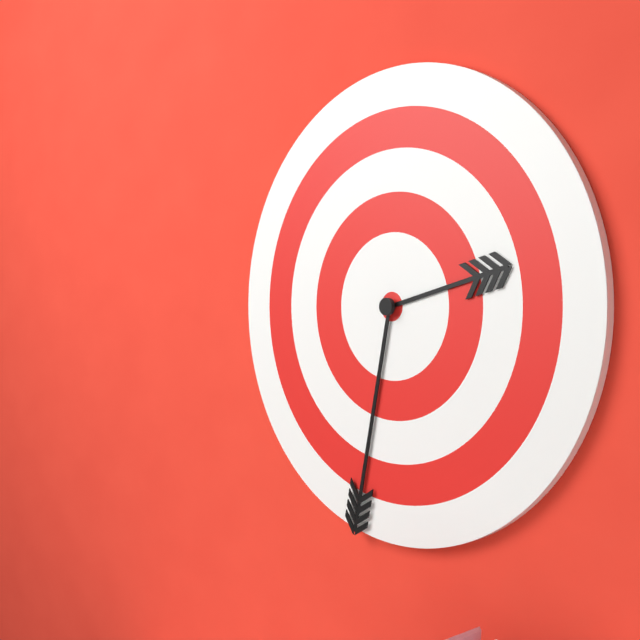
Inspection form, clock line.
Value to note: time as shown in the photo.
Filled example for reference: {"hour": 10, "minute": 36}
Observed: {"hour": 2, "minute": 32}
